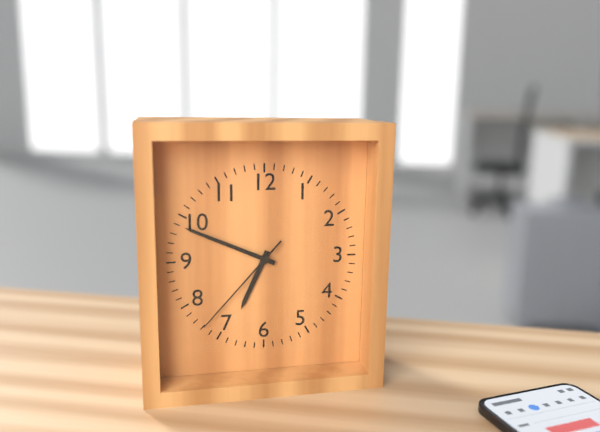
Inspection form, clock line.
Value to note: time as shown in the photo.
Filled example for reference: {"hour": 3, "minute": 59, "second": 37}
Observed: {"hour": 6, "minute": 49, "second": 37}
